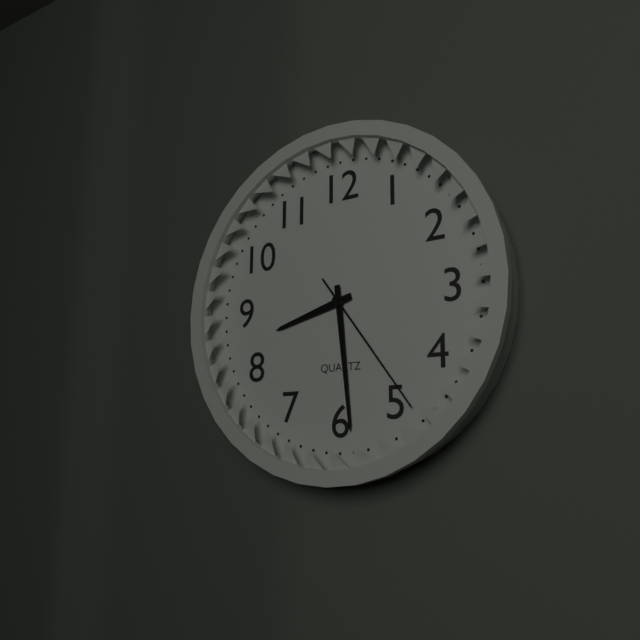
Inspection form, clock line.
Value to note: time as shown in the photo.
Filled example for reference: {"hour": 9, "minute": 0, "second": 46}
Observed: {"hour": 8, "minute": 29, "second": 24}
